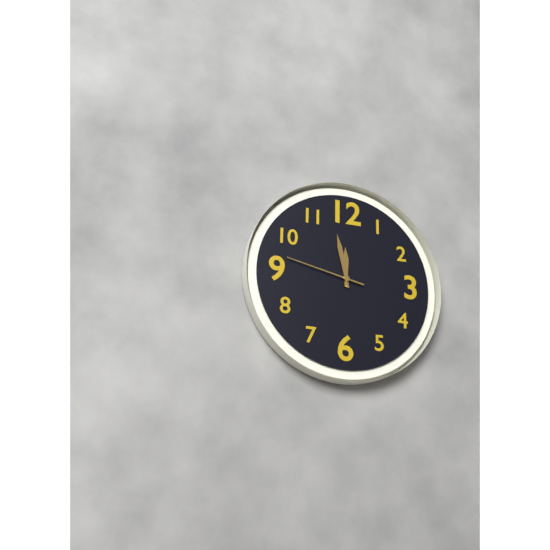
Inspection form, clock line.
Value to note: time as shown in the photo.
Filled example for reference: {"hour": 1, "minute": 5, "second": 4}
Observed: {"hour": 11, "minute": 58, "second": 47}
